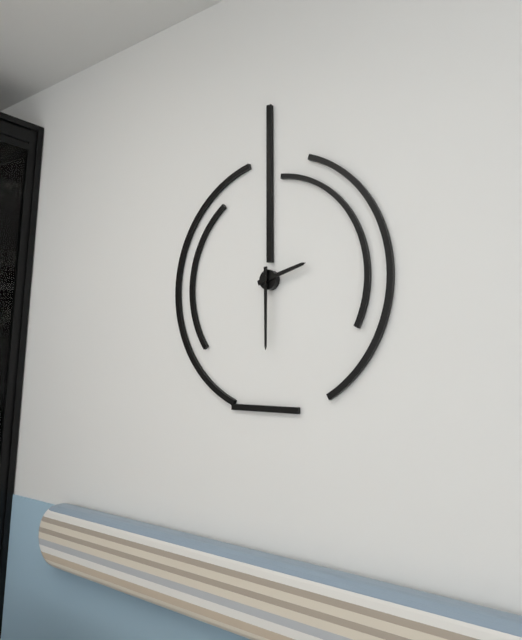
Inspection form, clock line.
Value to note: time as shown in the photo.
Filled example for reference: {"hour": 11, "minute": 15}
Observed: {"hour": 2, "minute": 30}
